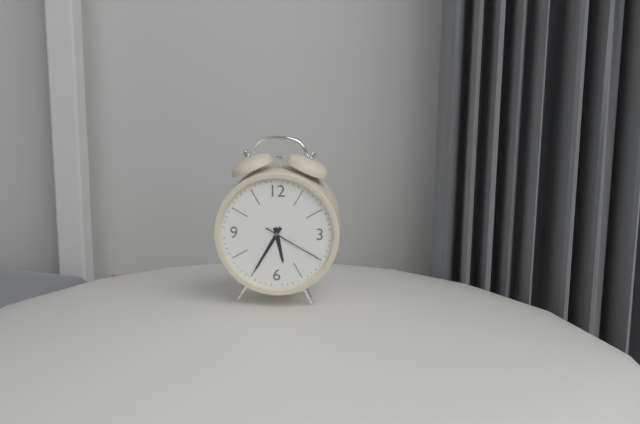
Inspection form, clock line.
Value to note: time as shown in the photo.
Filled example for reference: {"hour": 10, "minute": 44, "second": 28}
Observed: {"hour": 5, "minute": 35, "second": 20}
